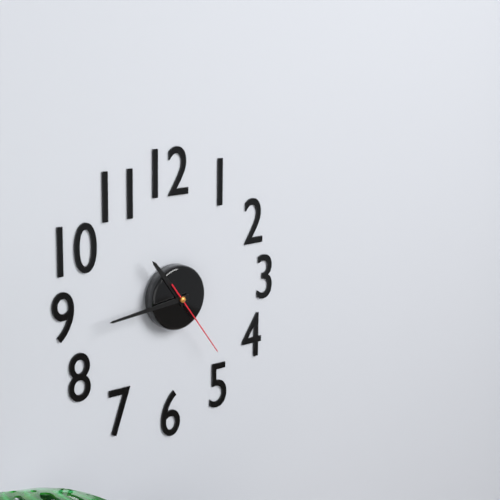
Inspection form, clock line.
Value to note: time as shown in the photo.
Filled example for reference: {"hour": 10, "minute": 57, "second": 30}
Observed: {"hour": 10, "minute": 44, "second": 24}
